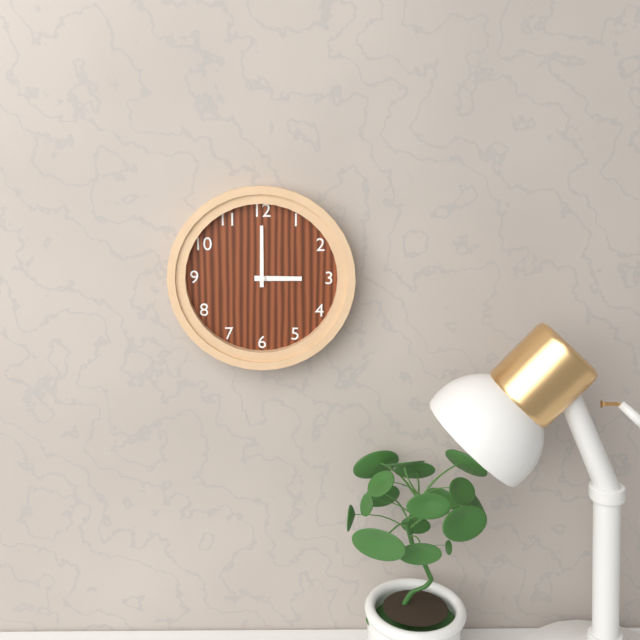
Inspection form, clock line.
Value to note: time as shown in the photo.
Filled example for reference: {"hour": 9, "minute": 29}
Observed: {"hour": 3, "minute": 0}
